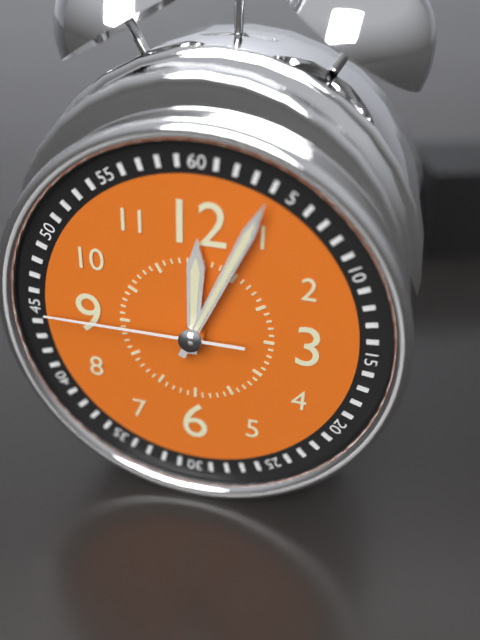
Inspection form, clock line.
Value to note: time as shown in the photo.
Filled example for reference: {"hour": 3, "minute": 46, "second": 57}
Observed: {"hour": 12, "minute": 4, "second": 45}
